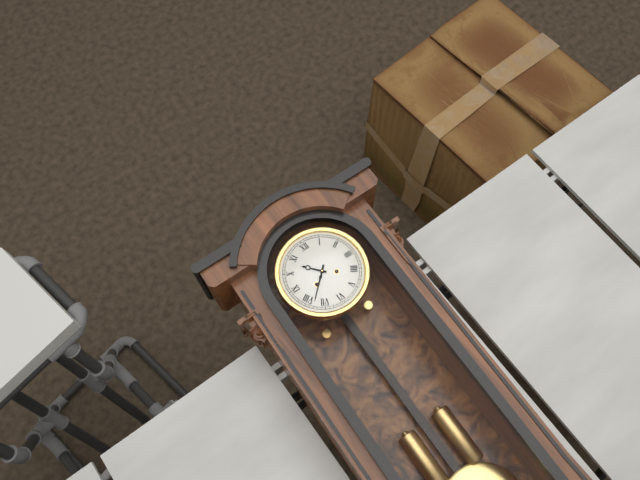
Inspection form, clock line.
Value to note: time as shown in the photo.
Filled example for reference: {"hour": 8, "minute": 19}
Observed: {"hour": 10, "minute": 38}
